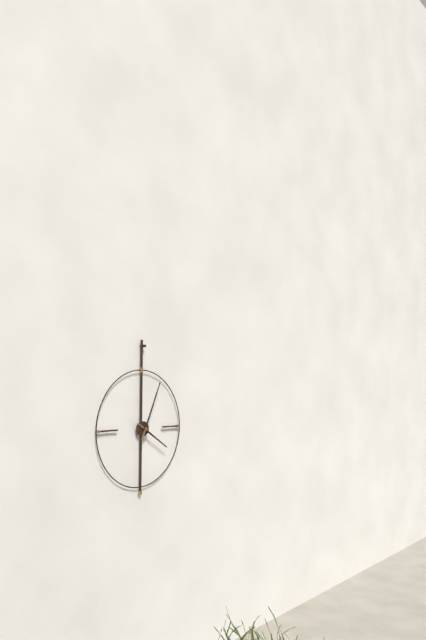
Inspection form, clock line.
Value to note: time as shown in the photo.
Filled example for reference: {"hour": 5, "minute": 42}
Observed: {"hour": 4, "minute": 4}
